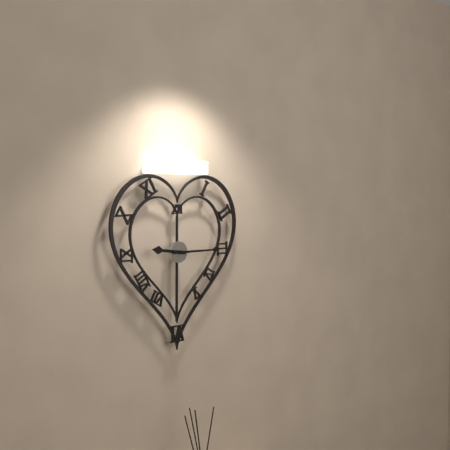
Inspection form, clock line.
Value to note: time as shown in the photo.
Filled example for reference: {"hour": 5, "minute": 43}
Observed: {"hour": 9, "minute": 15}
